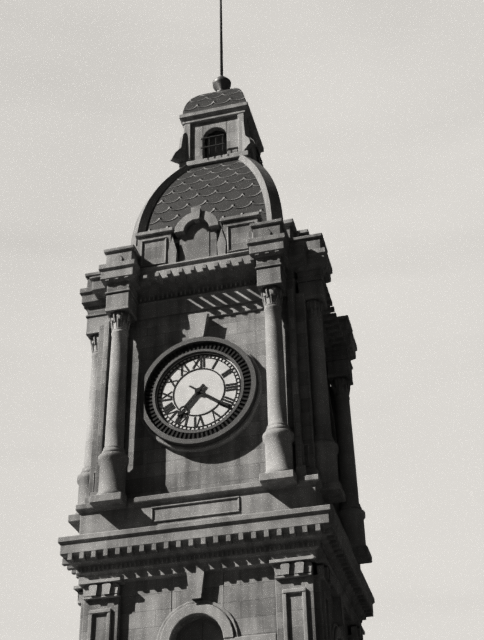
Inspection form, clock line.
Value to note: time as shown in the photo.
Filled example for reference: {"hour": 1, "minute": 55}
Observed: {"hour": 7, "minute": 21}
